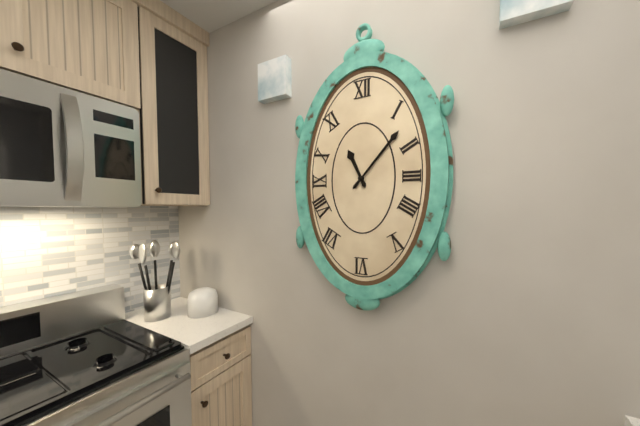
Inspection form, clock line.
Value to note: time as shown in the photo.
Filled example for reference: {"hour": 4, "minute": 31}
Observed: {"hour": 11, "minute": 7}
